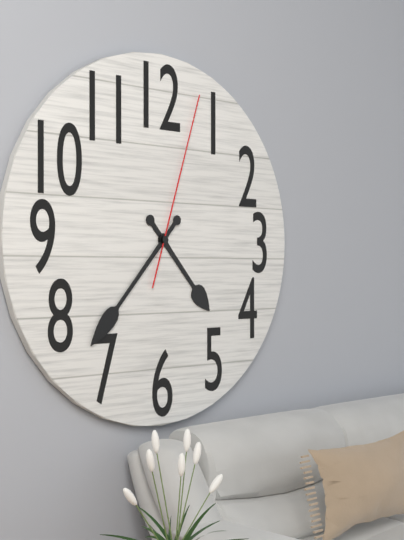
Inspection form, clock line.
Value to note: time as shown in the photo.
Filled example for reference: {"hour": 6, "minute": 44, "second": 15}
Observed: {"hour": 4, "minute": 37, "second": 3}
